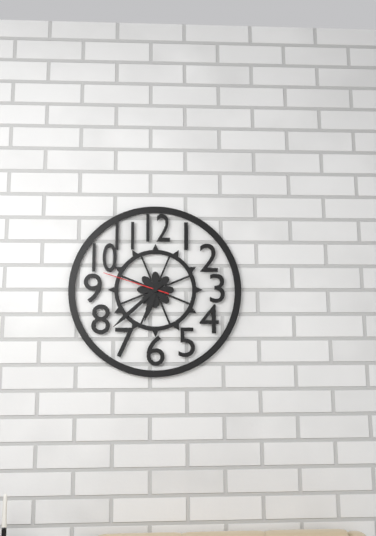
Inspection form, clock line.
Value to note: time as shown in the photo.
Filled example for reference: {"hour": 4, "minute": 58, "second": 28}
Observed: {"hour": 6, "minute": 38, "second": 48}
